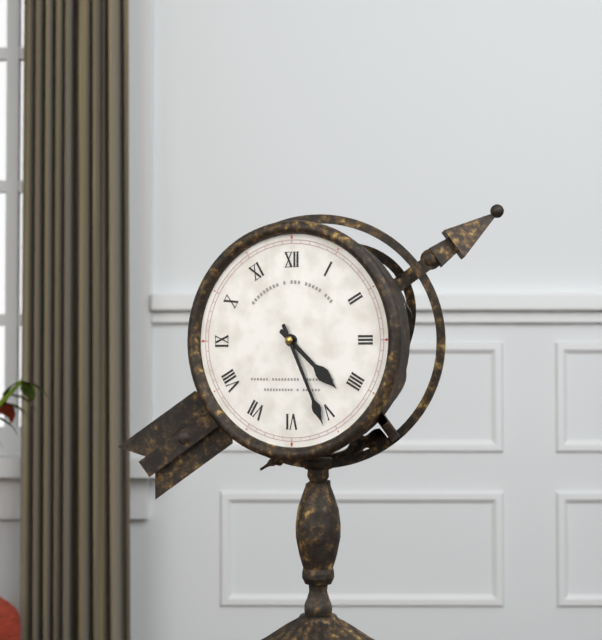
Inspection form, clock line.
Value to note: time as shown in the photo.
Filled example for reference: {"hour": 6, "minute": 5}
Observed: {"hour": 4, "minute": 26}
